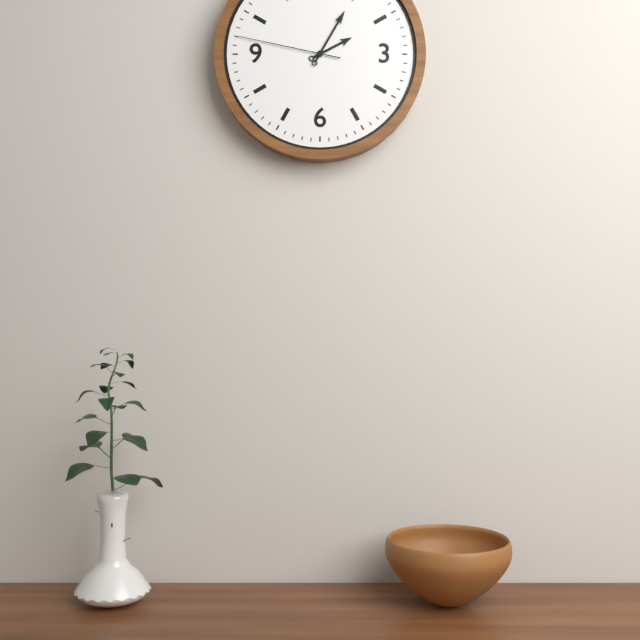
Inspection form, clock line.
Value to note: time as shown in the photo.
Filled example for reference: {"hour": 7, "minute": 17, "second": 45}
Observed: {"hour": 2, "minute": 5, "second": 47}
